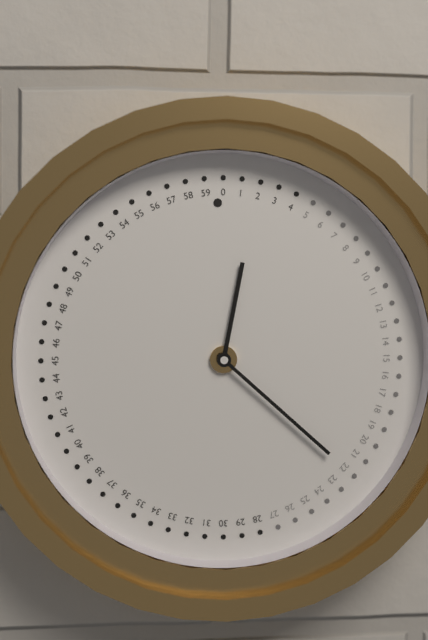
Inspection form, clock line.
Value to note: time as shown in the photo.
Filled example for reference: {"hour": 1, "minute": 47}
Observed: {"hour": 12, "minute": 22}
